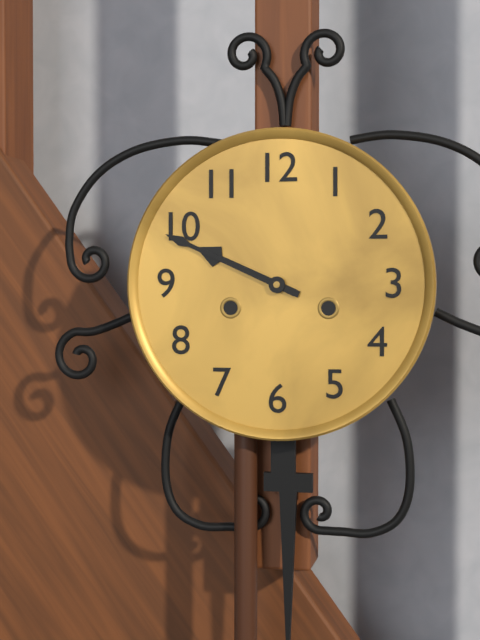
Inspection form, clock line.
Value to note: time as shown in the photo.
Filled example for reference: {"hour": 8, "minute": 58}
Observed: {"hour": 9, "minute": 49}
